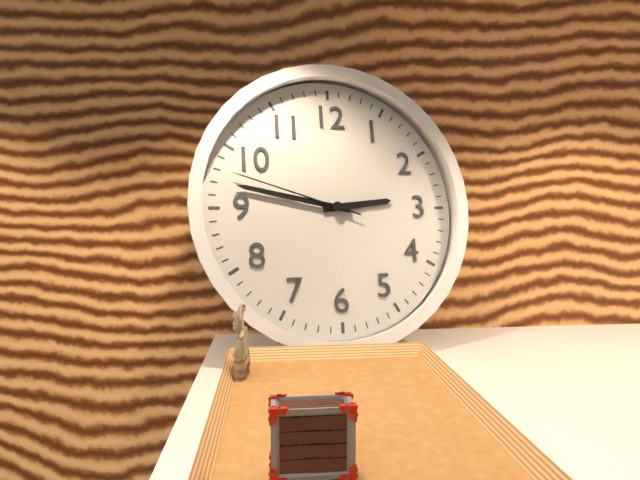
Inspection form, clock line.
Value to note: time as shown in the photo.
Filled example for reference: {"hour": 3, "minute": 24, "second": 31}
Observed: {"hour": 2, "minute": 47, "second": 48}
